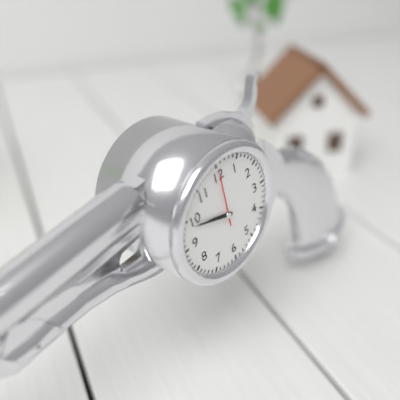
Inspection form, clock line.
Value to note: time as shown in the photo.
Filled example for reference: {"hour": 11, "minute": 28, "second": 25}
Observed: {"hour": 9, "minute": 49, "second": 0}
